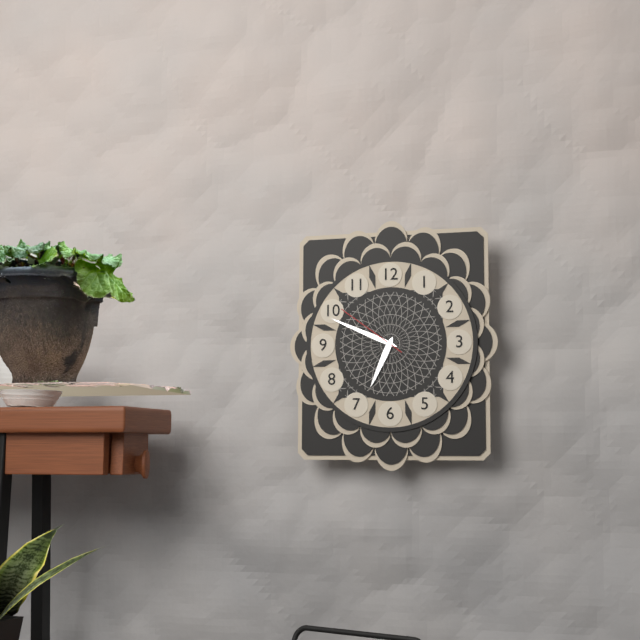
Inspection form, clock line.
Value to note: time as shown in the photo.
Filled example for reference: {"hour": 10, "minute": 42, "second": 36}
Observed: {"hour": 6, "minute": 49, "second": 51}
